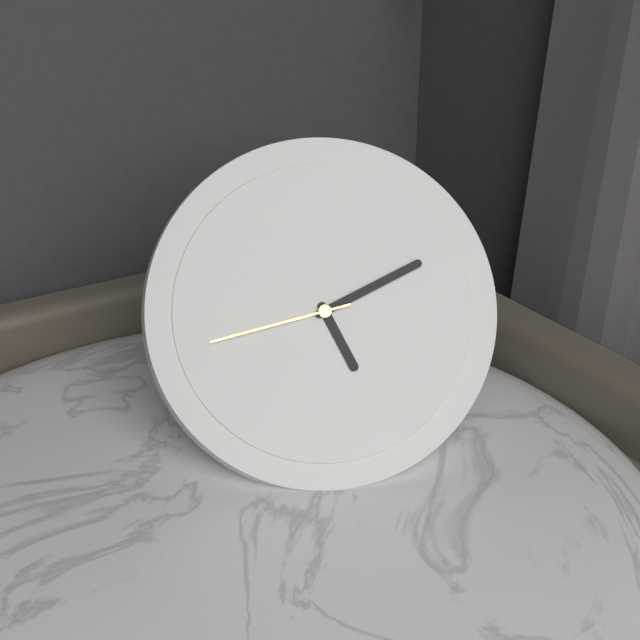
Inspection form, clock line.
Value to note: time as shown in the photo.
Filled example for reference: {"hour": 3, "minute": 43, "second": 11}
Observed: {"hour": 5, "minute": 11, "second": 43}
